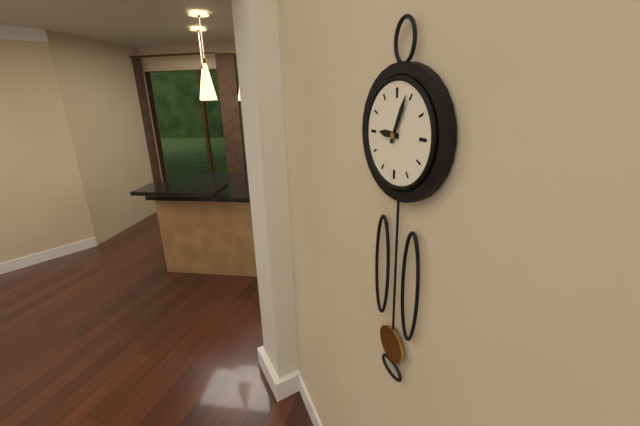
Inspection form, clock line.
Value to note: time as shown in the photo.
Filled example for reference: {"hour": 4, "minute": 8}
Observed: {"hour": 9, "minute": 4}
